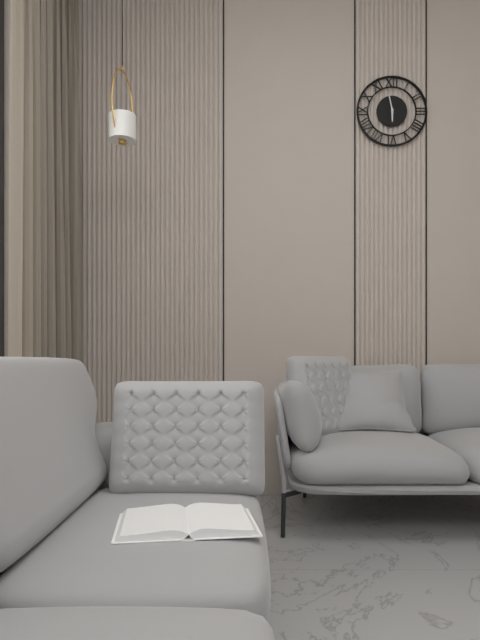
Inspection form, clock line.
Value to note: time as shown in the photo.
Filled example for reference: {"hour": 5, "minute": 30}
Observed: {"hour": 5, "minute": 58}
